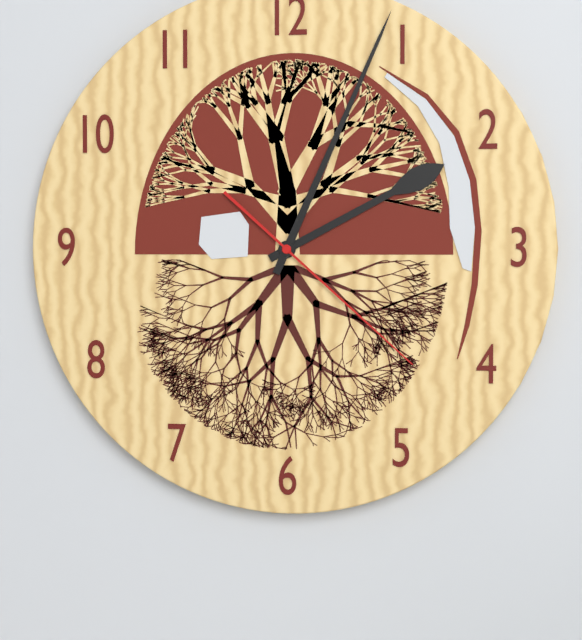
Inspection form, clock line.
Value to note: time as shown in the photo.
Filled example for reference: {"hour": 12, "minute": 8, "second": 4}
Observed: {"hour": 2, "minute": 4, "second": 22}
